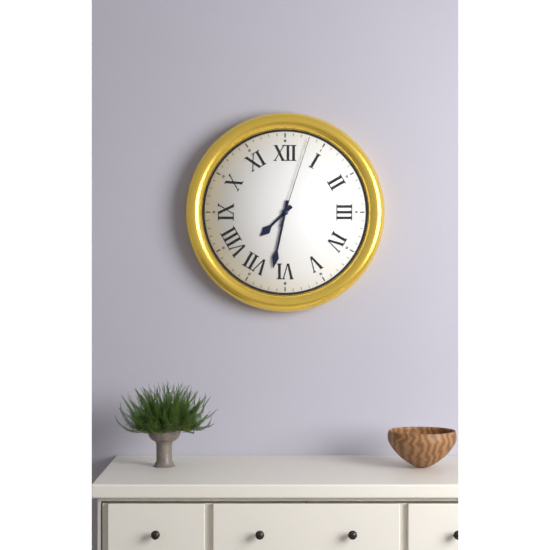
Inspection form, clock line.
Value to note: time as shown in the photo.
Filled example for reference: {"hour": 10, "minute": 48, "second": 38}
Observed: {"hour": 7, "minute": 32, "second": 3}
